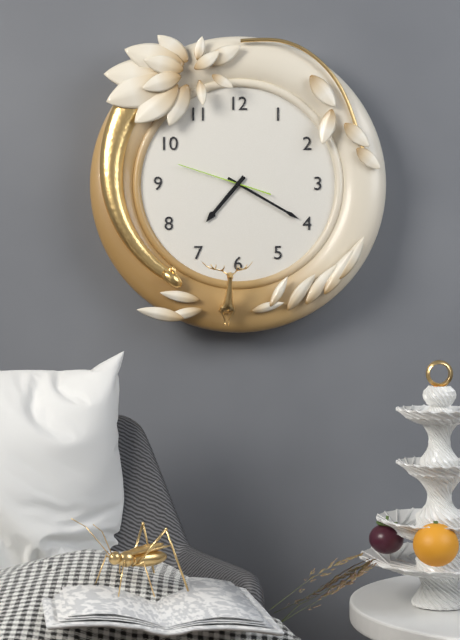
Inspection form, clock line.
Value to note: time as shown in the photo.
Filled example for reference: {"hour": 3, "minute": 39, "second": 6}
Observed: {"hour": 7, "minute": 20, "second": 48}
